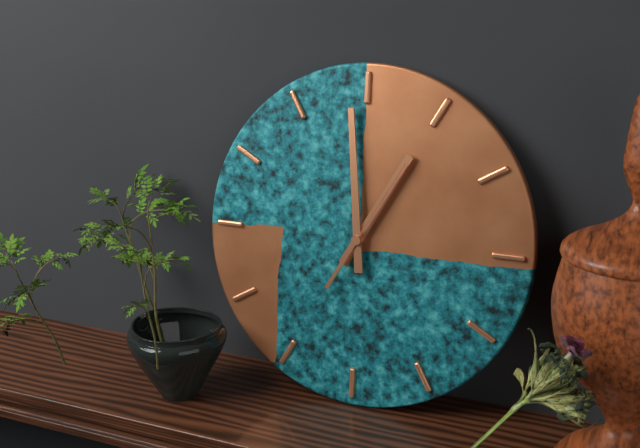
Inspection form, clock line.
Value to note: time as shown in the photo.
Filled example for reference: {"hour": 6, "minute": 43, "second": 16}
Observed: {"hour": 12, "minute": 59, "second": 5}
